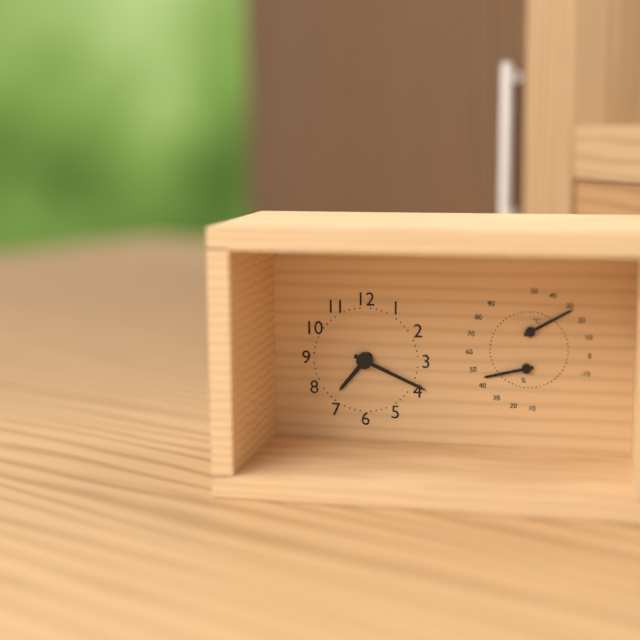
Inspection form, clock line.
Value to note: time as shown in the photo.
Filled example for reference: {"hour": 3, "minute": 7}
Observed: {"hour": 7, "minute": 19}
